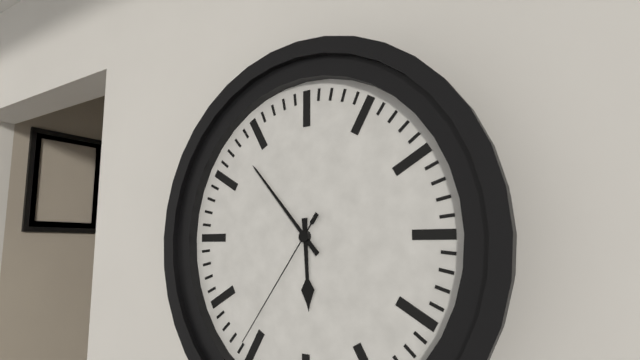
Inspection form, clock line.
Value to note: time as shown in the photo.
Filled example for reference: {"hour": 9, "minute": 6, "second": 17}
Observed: {"hour": 5, "minute": 53, "second": 36}
